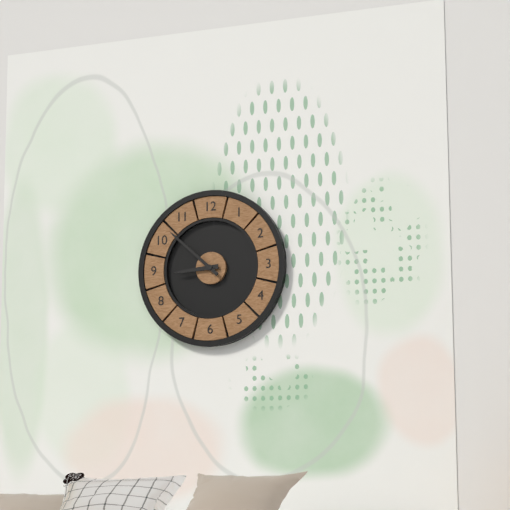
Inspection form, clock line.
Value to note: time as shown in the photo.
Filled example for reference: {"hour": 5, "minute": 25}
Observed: {"hour": 8, "minute": 52}
